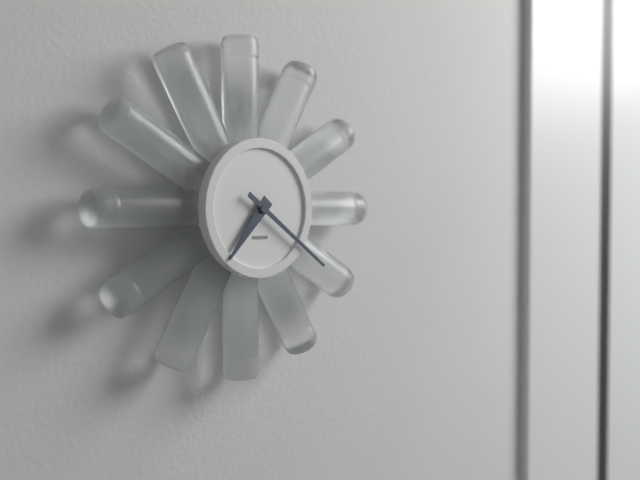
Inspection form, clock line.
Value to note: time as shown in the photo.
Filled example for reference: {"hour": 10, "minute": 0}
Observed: {"hour": 7, "minute": 21}
